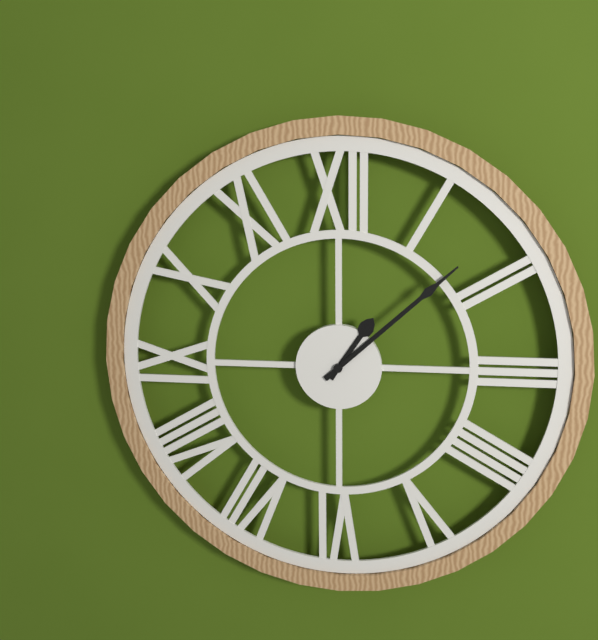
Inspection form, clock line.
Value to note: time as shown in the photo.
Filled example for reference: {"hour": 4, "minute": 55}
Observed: {"hour": 1, "minute": 8}
